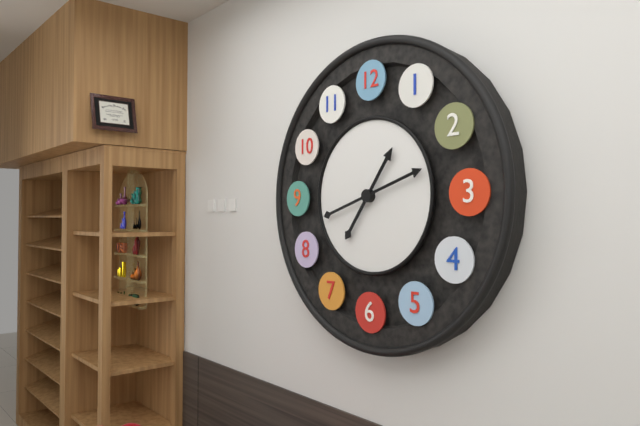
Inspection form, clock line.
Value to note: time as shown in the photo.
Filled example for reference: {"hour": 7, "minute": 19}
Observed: {"hour": 1, "minute": 12}
